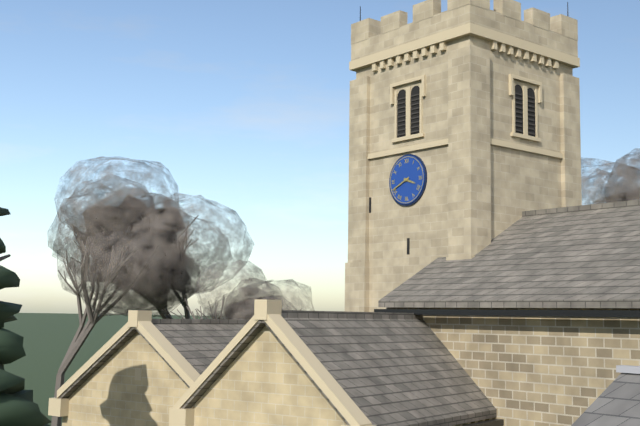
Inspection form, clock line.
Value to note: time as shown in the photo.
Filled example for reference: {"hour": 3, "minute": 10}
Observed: {"hour": 3, "minute": 41}
